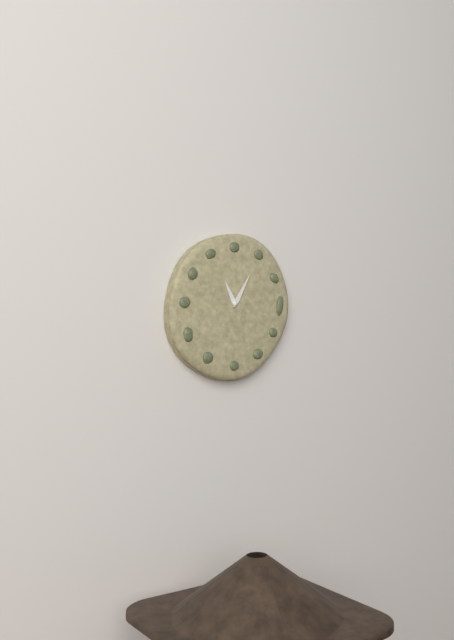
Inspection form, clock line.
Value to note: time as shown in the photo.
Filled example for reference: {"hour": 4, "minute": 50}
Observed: {"hour": 11, "minute": 5}
